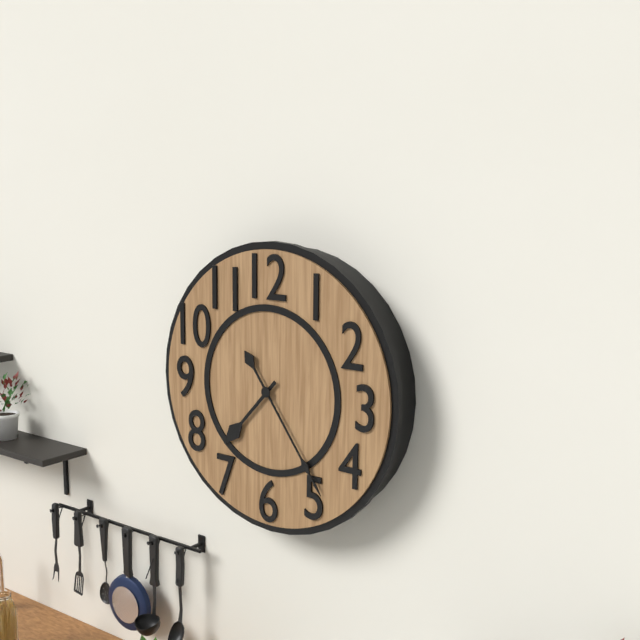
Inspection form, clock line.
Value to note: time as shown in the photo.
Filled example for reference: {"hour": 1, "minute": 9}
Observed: {"hour": 7, "minute": 24}
